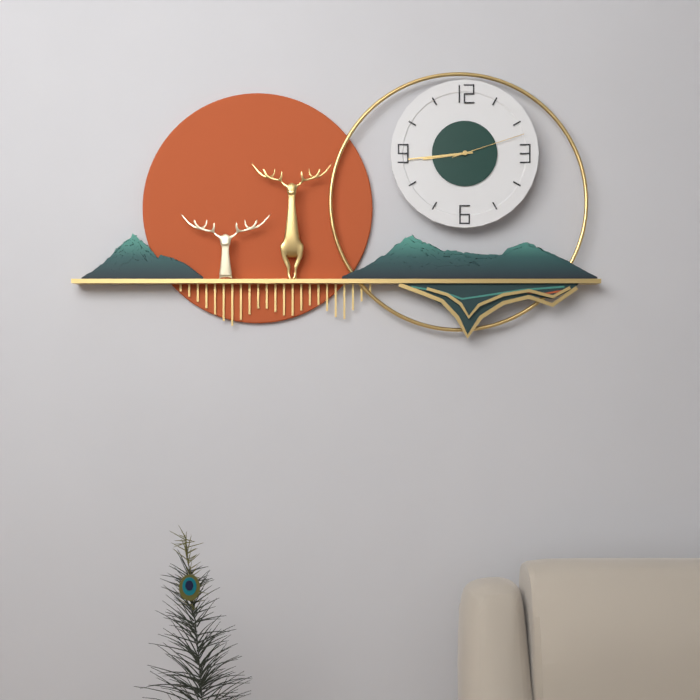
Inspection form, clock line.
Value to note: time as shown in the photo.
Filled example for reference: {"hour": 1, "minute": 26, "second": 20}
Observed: {"hour": 8, "minute": 44, "second": 12}
